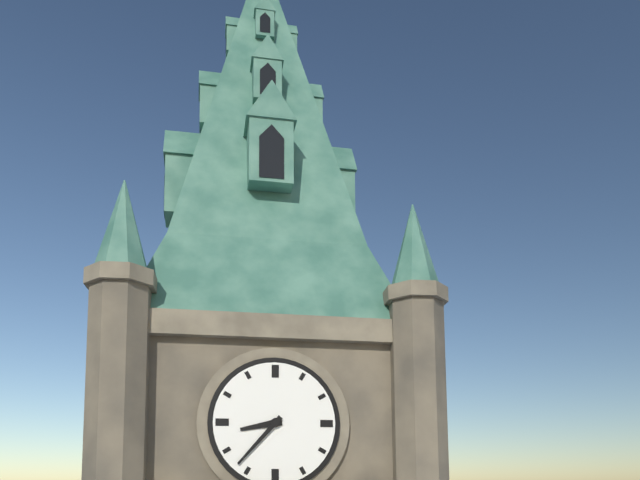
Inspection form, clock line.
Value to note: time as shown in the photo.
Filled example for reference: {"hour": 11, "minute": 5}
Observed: {"hour": 8, "minute": 37}
